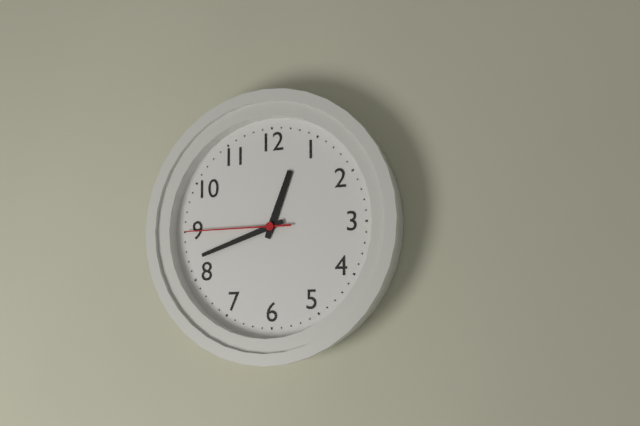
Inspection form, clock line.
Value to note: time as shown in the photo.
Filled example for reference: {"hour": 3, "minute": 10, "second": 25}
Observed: {"hour": 12, "minute": 42, "second": 45}
